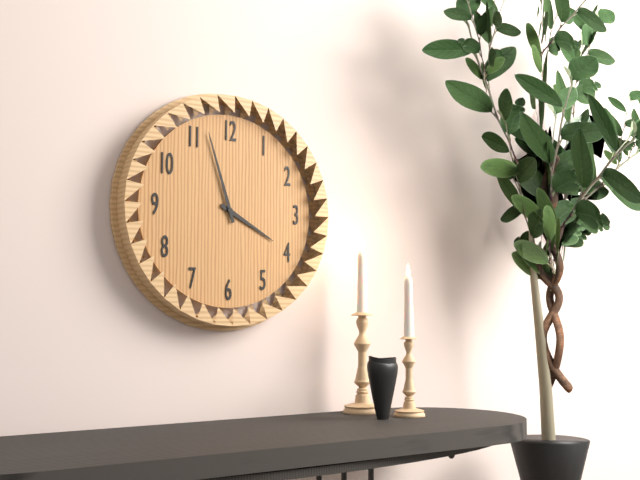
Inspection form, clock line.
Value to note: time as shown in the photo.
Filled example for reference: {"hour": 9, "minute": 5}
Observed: {"hour": 3, "minute": 57}
